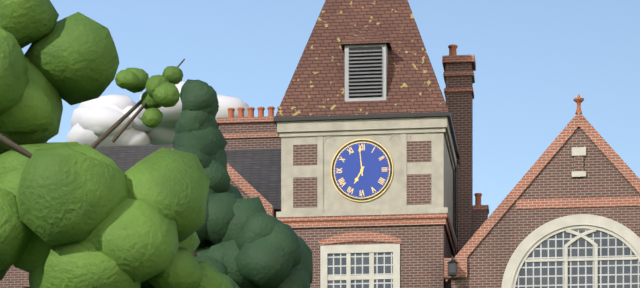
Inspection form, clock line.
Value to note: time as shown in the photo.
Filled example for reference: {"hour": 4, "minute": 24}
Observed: {"hour": 6, "minute": 59}
